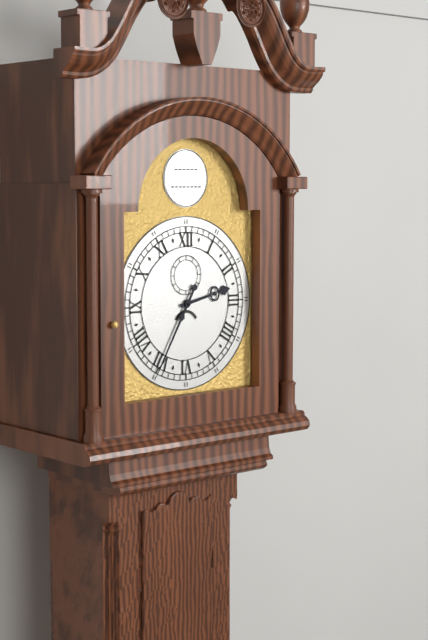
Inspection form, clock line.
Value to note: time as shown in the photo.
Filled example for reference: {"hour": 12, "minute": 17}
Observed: {"hour": 2, "minute": 35}
